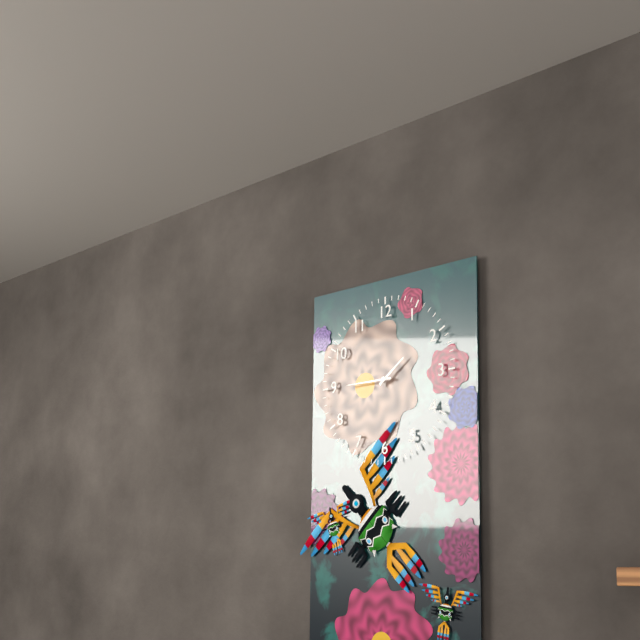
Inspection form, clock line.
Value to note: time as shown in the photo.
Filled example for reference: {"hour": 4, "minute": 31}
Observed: {"hour": 1, "minute": 45}
